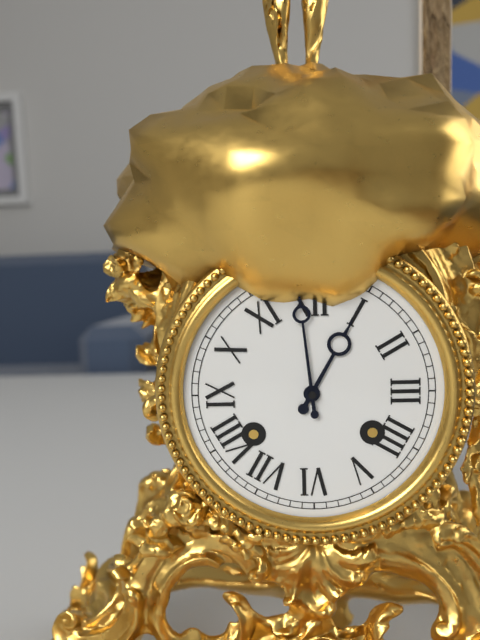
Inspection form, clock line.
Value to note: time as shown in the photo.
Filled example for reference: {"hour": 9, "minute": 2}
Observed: {"hour": 12, "minute": 59}
